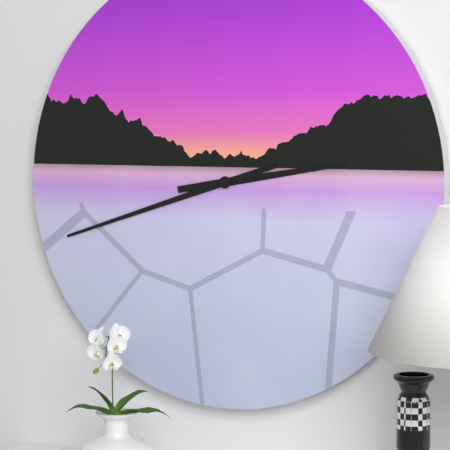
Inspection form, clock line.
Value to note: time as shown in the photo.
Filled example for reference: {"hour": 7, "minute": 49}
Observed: {"hour": 2, "minute": 42}
